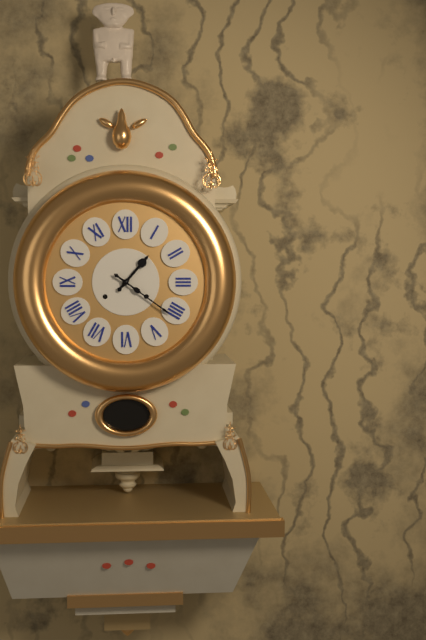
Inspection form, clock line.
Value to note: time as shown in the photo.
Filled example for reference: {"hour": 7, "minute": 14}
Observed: {"hour": 1, "minute": 21}
